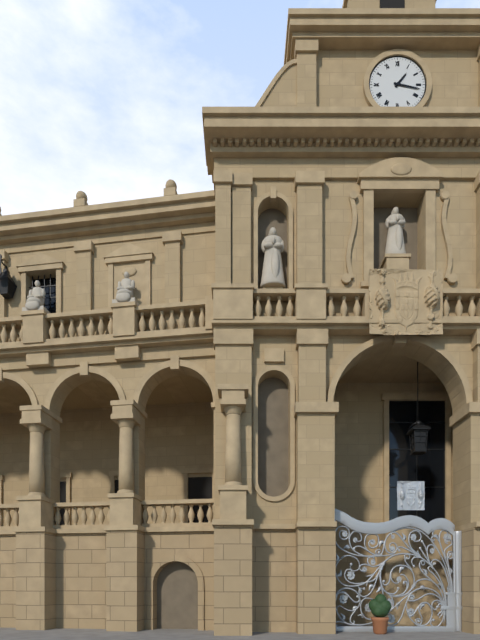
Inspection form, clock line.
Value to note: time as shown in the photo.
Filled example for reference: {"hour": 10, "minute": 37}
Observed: {"hour": 1, "minute": 17}
